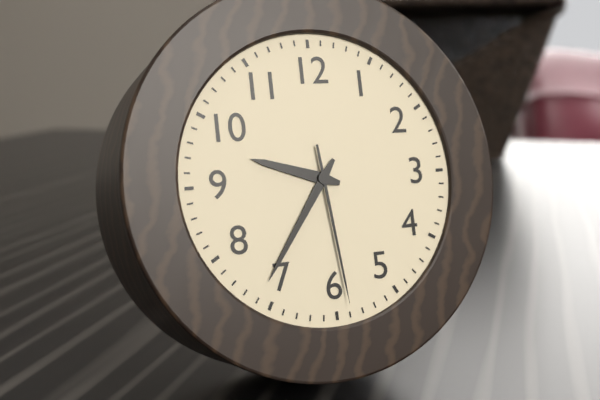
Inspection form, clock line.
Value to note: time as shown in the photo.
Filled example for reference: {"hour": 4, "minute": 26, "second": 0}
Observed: {"hour": 9, "minute": 36, "second": 29}
